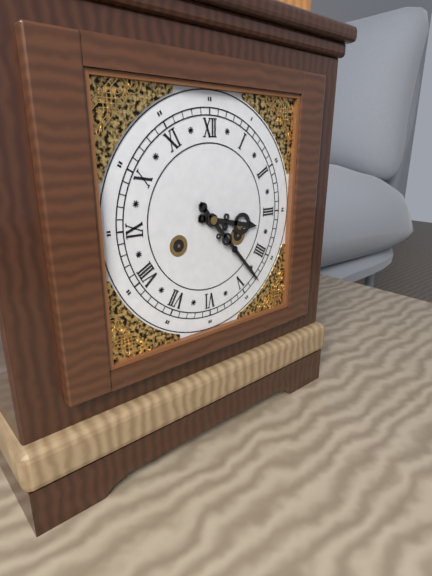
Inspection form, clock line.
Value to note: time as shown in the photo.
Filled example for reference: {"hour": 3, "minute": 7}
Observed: {"hour": 3, "minute": 23}
